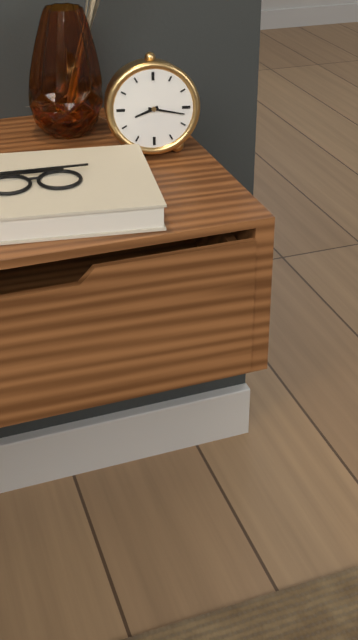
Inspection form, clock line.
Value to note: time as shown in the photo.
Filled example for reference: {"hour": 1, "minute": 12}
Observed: {"hour": 8, "minute": 17}
